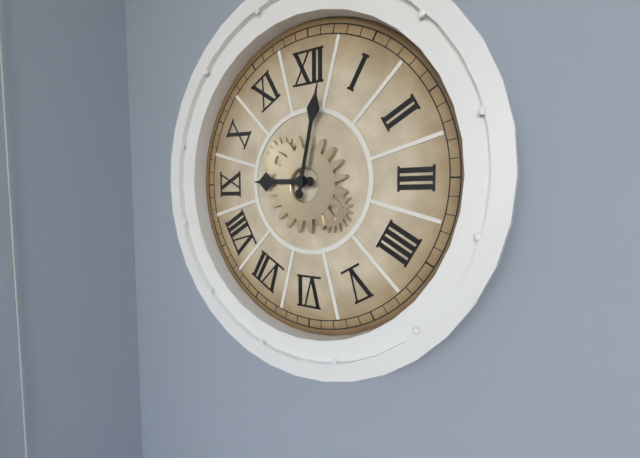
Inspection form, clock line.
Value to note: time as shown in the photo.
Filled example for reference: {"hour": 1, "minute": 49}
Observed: {"hour": 9, "minute": 2}
